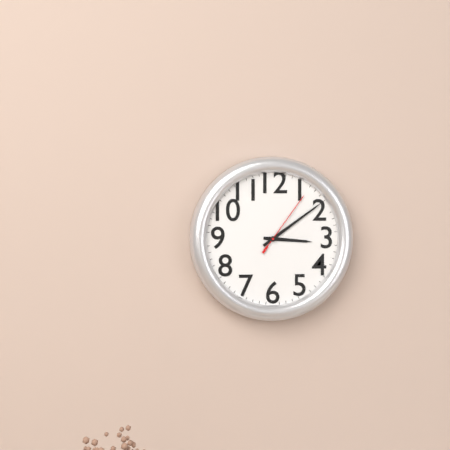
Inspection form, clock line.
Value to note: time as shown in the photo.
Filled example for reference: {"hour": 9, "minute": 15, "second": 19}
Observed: {"hour": 3, "minute": 9, "second": 6}
